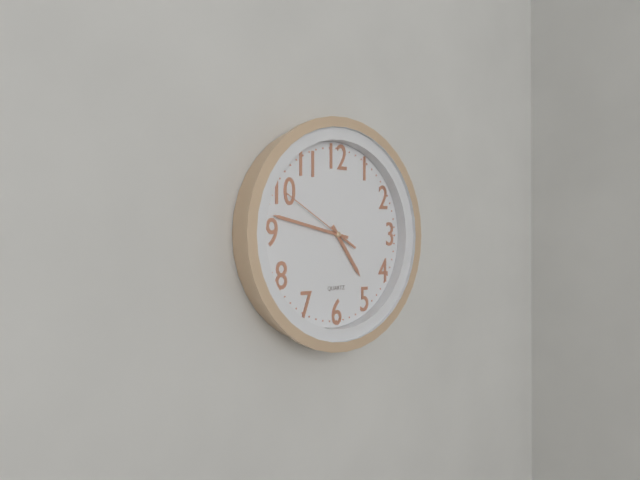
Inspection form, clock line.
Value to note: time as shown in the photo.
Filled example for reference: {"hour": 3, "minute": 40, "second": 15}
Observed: {"hour": 4, "minute": 47, "second": 50}
